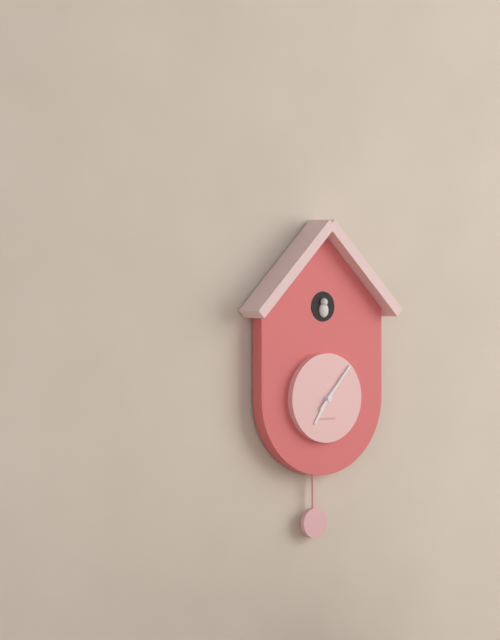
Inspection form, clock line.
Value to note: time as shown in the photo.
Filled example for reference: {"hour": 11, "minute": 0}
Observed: {"hour": 7, "minute": 7}
